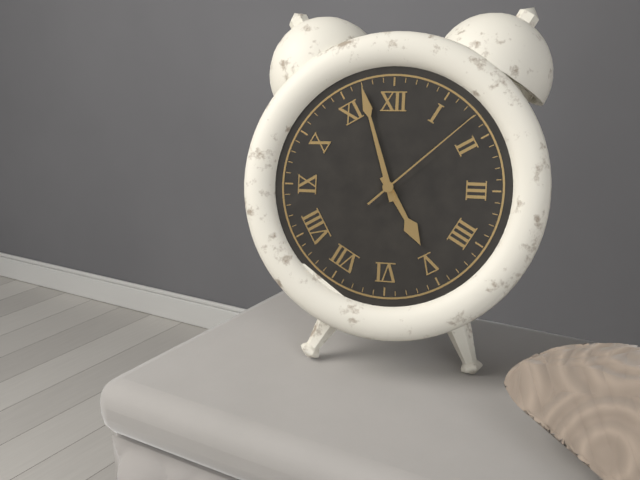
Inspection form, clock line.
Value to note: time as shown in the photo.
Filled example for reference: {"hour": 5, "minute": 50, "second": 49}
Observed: {"hour": 4, "minute": 57, "second": 8}
